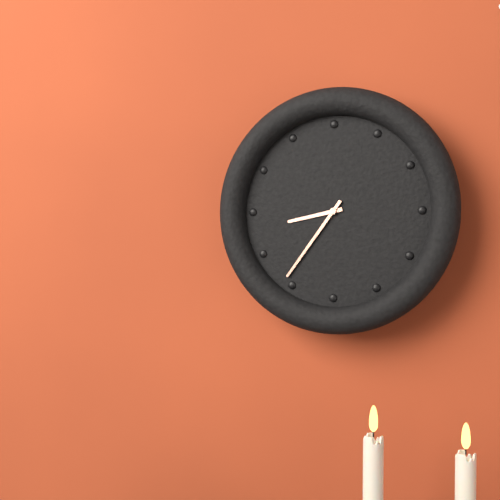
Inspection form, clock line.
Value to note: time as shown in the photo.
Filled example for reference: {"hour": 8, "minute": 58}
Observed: {"hour": 8, "minute": 36}
